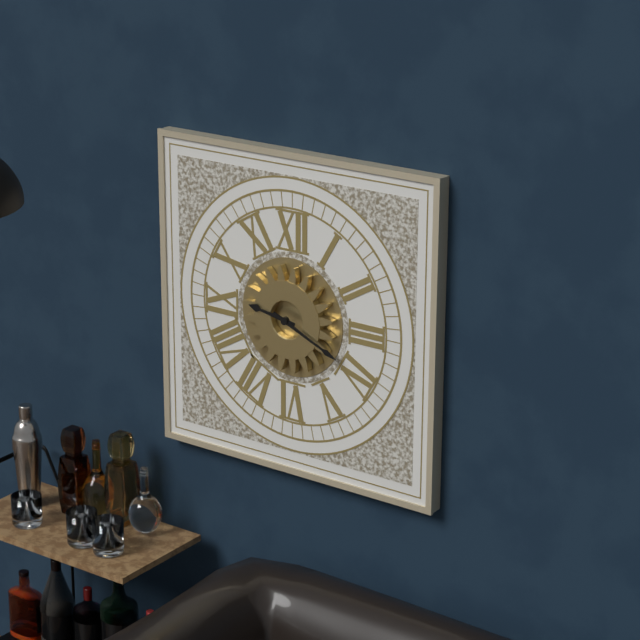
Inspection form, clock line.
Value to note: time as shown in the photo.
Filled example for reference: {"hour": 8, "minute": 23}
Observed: {"hour": 9, "minute": 19}
